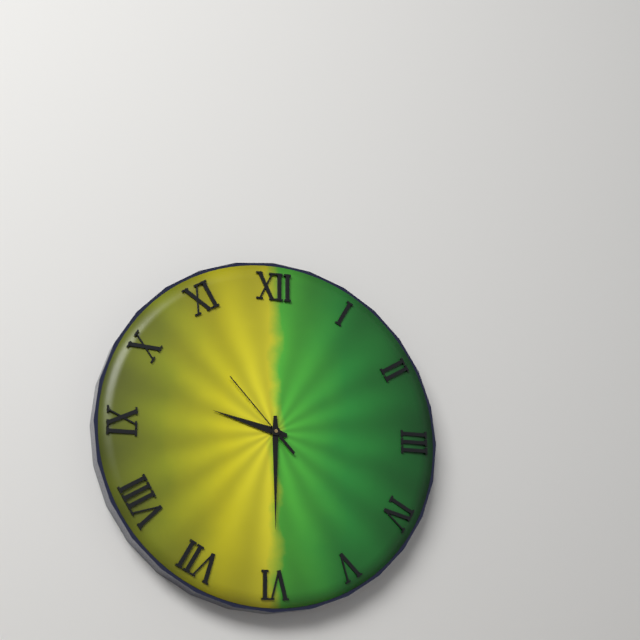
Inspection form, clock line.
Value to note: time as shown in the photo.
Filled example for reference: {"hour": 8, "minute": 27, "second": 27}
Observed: {"hour": 9, "minute": 30, "second": 53}
